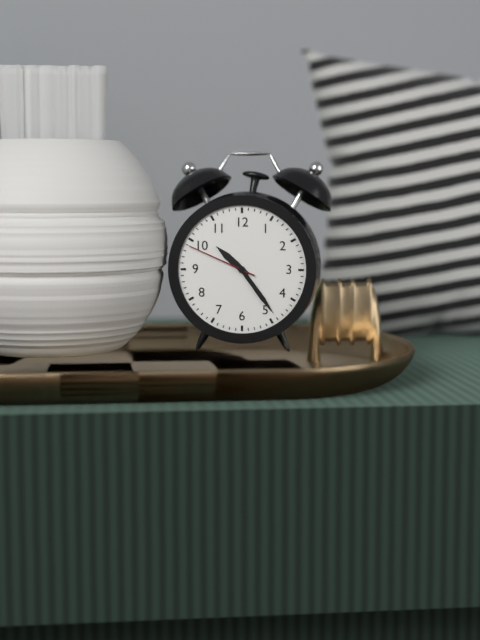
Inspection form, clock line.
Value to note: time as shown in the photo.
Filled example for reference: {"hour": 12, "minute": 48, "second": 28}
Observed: {"hour": 10, "minute": 24, "second": 49}
